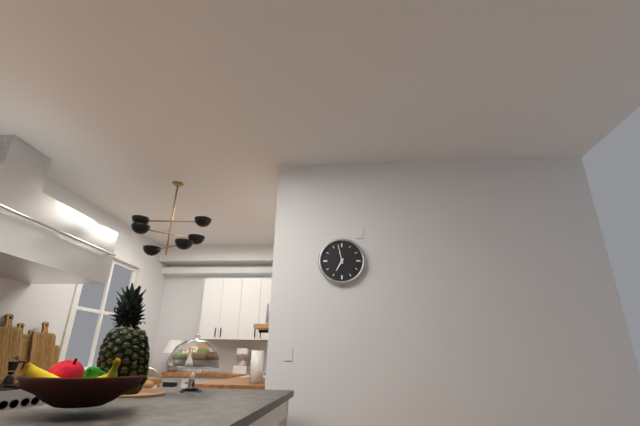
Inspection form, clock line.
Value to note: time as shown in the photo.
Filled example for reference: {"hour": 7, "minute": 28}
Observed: {"hour": 6, "minute": 58}
